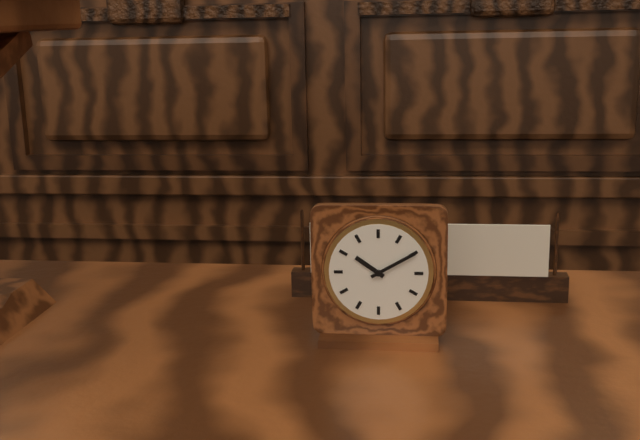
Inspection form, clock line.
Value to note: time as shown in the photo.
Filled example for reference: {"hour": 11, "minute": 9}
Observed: {"hour": 10, "minute": 10}
